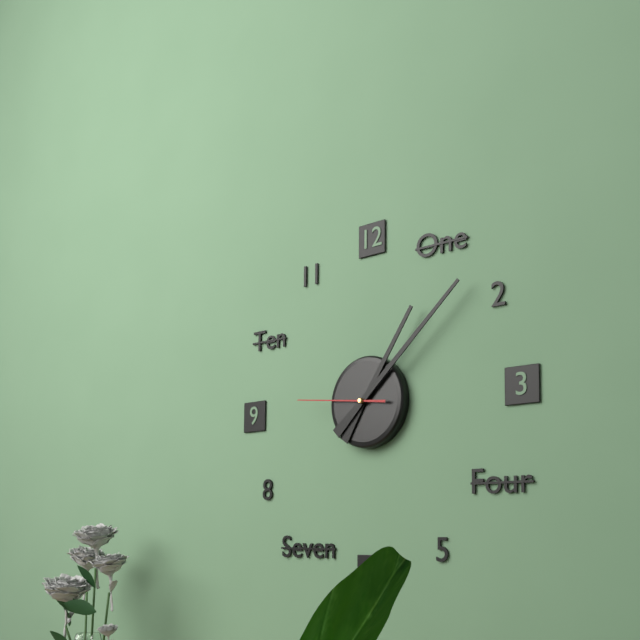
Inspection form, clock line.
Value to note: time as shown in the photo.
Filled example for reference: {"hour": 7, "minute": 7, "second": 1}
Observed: {"hour": 1, "minute": 8, "second": 46}
